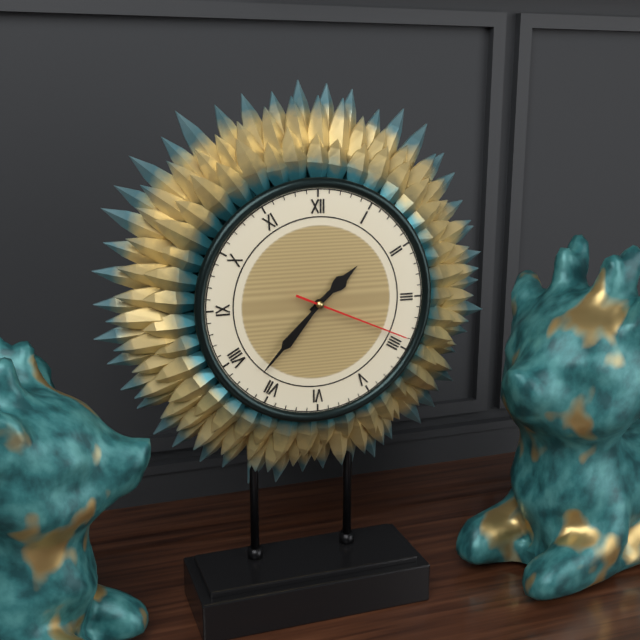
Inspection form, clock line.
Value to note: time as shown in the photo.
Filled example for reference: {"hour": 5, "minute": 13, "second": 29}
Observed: {"hour": 1, "minute": 37, "second": 19}
